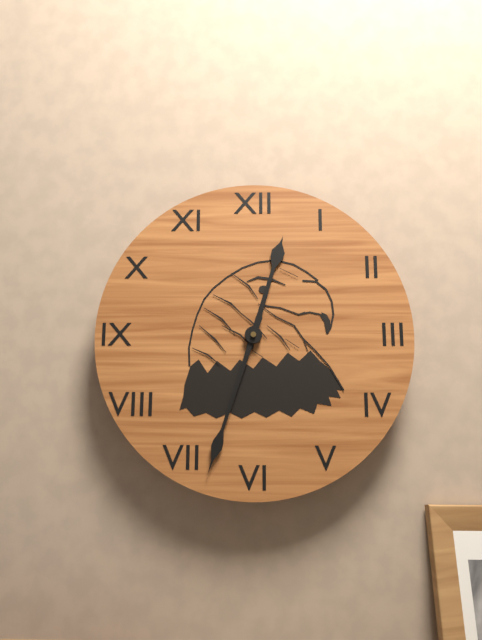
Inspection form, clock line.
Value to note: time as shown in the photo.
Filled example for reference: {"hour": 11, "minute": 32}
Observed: {"hour": 12, "minute": 33}
